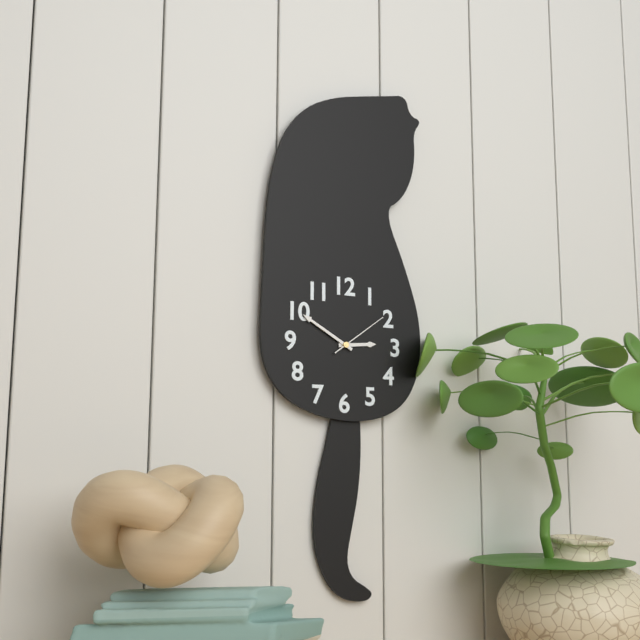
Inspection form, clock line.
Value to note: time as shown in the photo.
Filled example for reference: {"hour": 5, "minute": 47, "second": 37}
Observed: {"hour": 2, "minute": 50, "second": 9}
